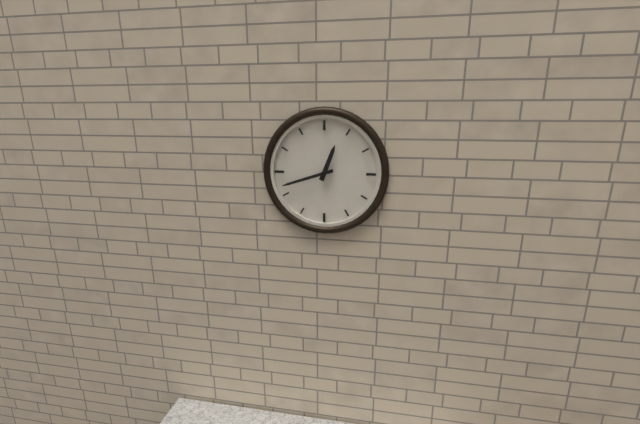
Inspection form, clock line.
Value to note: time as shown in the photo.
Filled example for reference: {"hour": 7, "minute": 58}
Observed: {"hour": 12, "minute": 42}
